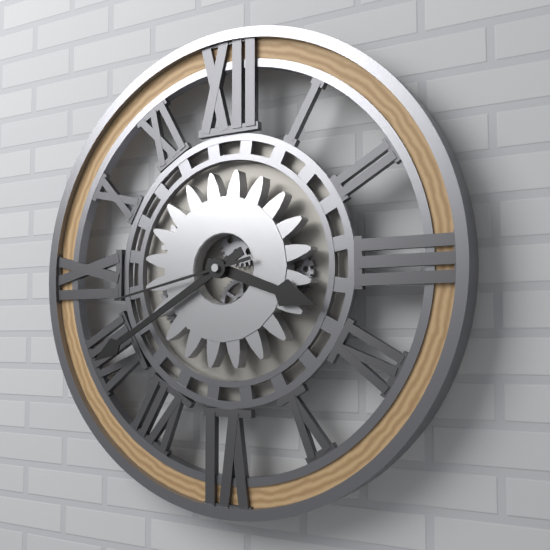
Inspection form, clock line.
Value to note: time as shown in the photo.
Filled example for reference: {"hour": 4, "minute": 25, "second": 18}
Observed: {"hour": 3, "minute": 40, "second": 43}
